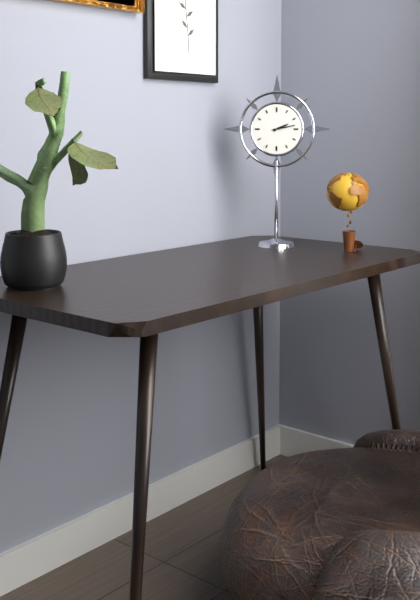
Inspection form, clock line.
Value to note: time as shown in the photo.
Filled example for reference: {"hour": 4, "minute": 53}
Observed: {"hour": 2, "minute": 13}
